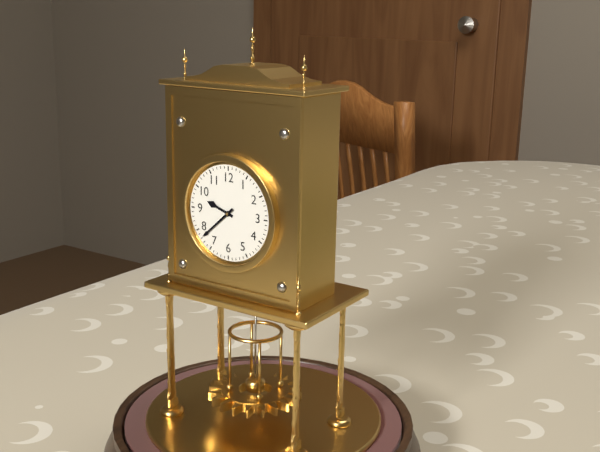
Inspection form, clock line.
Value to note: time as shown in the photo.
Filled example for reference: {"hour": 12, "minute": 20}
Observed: {"hour": 9, "minute": 38}
